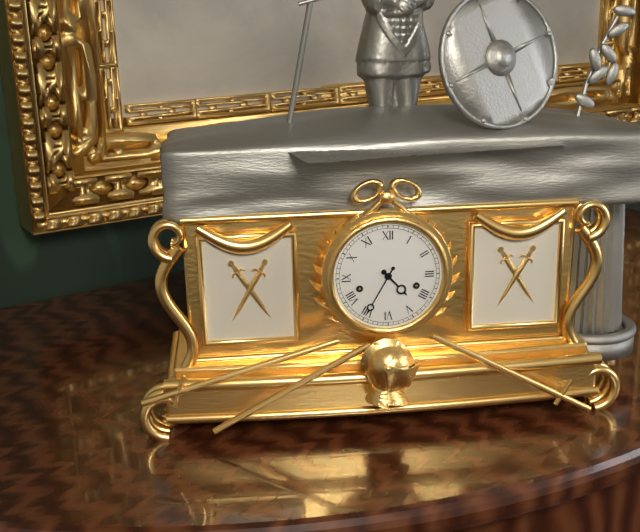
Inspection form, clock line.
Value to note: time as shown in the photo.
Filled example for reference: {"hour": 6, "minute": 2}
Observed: {"hour": 4, "minute": 35}
